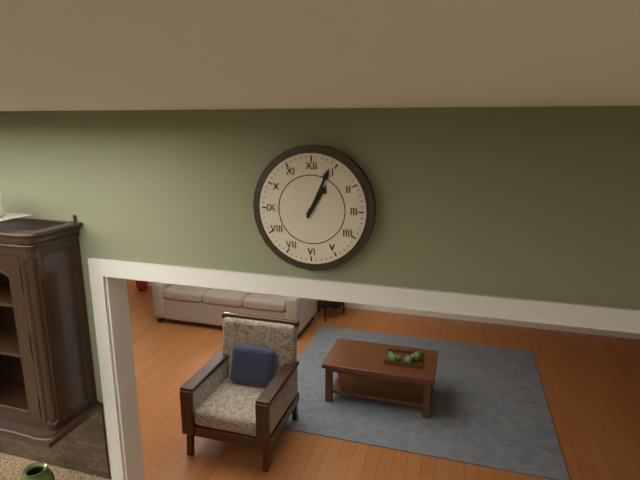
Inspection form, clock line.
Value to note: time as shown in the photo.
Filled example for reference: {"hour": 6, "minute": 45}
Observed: {"hour": 1, "minute": 4}
